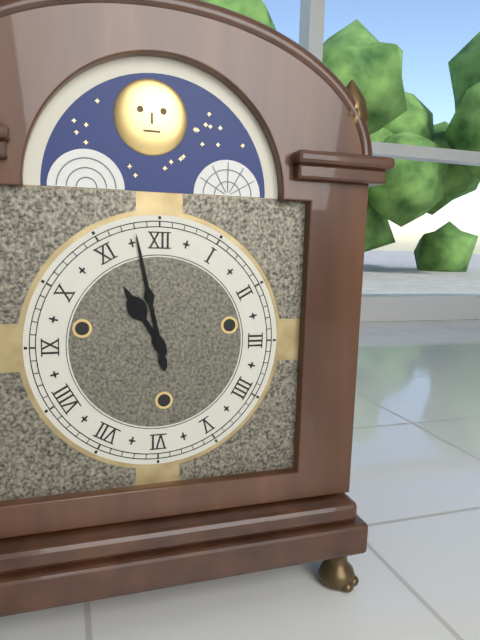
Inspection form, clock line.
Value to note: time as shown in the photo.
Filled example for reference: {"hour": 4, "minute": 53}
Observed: {"hour": 10, "minute": 58}
